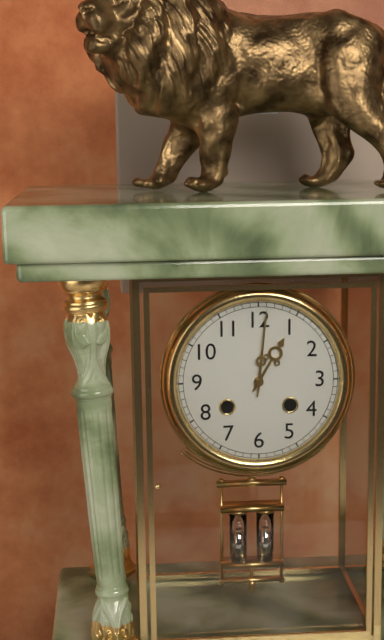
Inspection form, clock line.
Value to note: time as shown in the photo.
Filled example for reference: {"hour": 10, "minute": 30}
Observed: {"hour": 1, "minute": 1}
